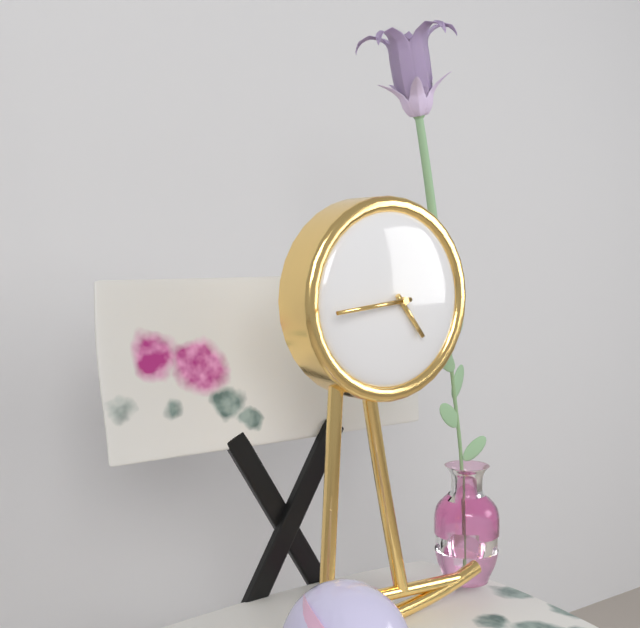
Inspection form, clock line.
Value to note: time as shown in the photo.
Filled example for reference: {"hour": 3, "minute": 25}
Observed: {"hour": 4, "minute": 44}
